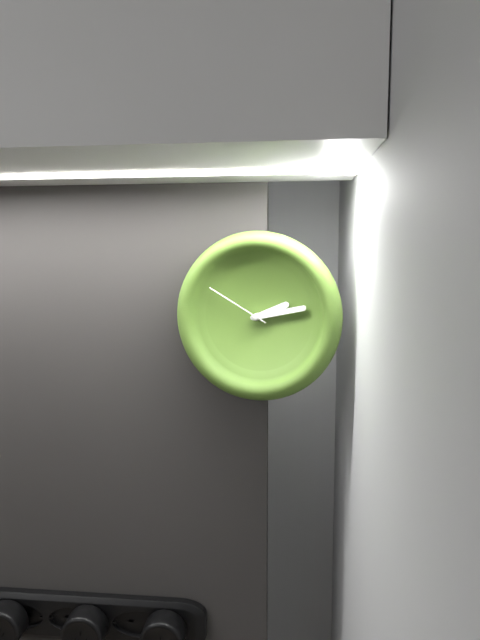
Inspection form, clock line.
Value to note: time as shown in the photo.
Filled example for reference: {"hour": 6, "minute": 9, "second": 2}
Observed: {"hour": 2, "minute": 13, "second": 50}
